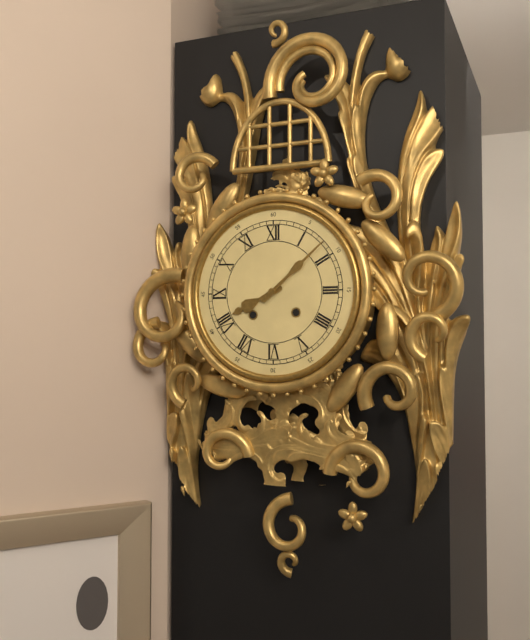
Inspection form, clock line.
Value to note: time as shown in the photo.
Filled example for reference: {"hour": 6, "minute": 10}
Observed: {"hour": 8, "minute": 8}
